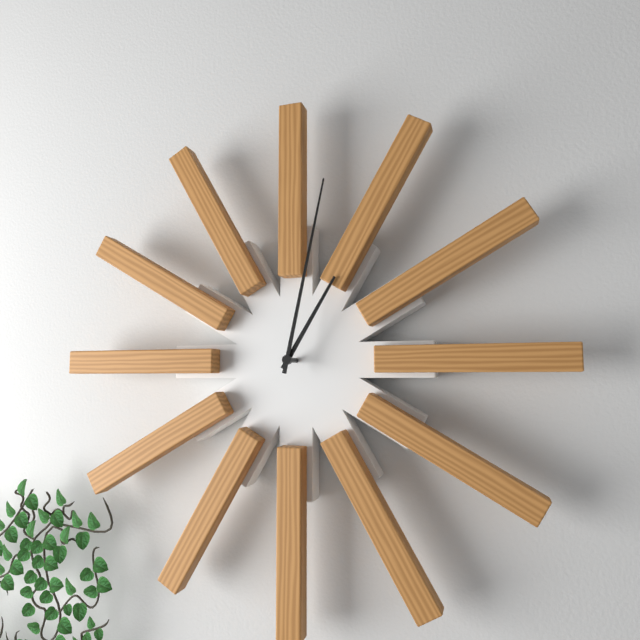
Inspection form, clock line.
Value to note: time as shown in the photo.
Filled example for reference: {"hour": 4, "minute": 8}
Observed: {"hour": 1, "minute": 2}
